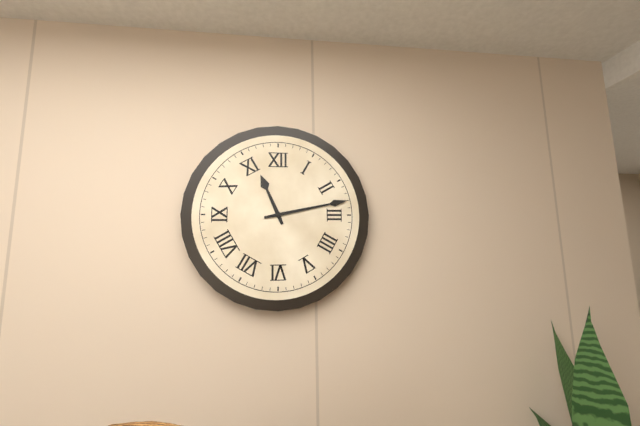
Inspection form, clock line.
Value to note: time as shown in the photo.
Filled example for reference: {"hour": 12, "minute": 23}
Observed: {"hour": 11, "minute": 13}
